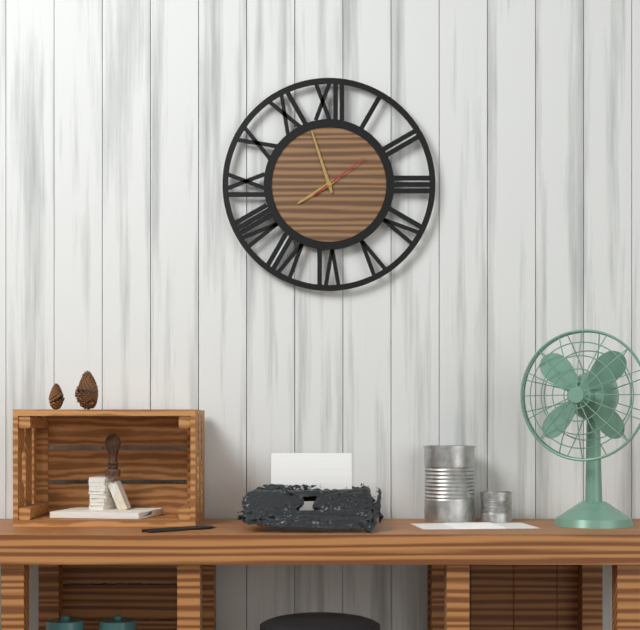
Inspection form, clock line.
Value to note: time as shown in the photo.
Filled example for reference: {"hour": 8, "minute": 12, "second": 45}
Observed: {"hour": 7, "minute": 57, "second": 9}
